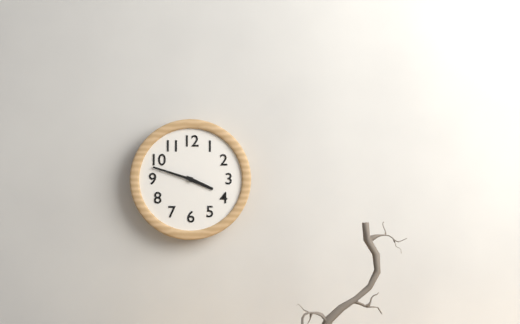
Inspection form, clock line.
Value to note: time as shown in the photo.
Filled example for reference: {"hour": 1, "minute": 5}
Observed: {"hour": 3, "minute": 48}
